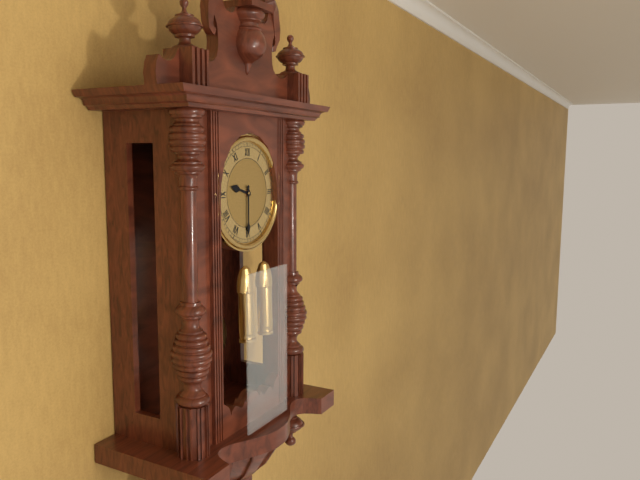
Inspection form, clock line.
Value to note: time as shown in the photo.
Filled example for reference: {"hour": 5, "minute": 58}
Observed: {"hour": 9, "minute": 30}
